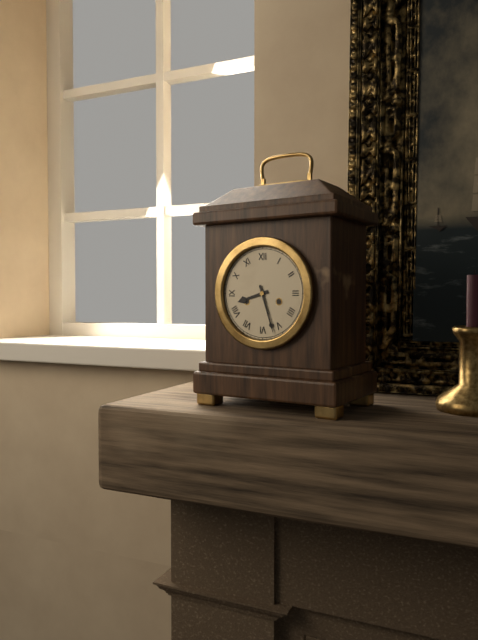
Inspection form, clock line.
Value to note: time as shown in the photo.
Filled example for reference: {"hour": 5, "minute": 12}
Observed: {"hour": 8, "minute": 27}
